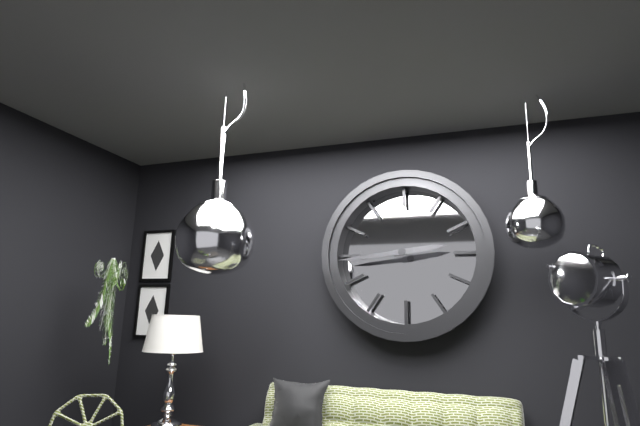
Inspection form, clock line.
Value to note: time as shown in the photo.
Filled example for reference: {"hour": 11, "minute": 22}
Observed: {"hour": 2, "minute": 44}
